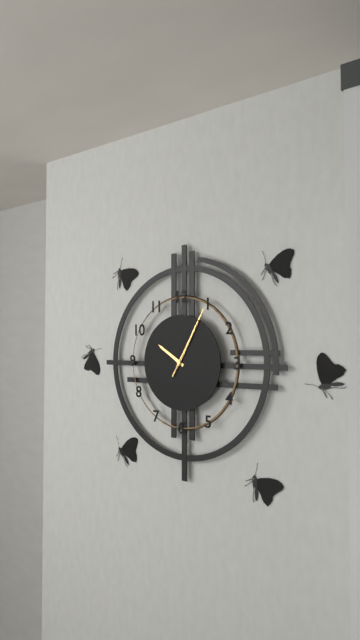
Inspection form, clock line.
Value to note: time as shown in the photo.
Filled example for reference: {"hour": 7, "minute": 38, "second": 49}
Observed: {"hour": 10, "minute": 5, "second": 5}
